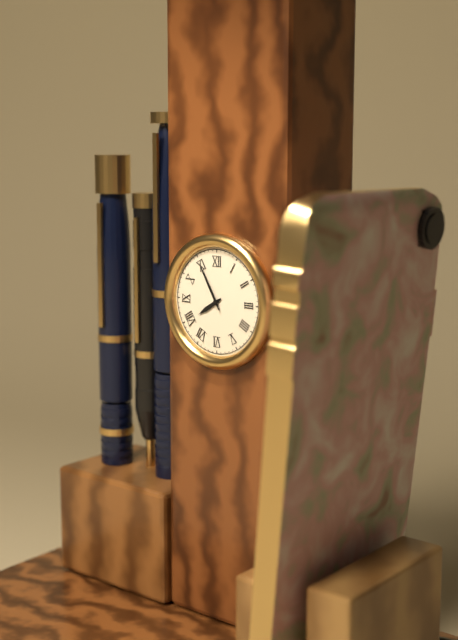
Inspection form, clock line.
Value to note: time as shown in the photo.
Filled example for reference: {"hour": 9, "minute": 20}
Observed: {"hour": 7, "minute": 55}
